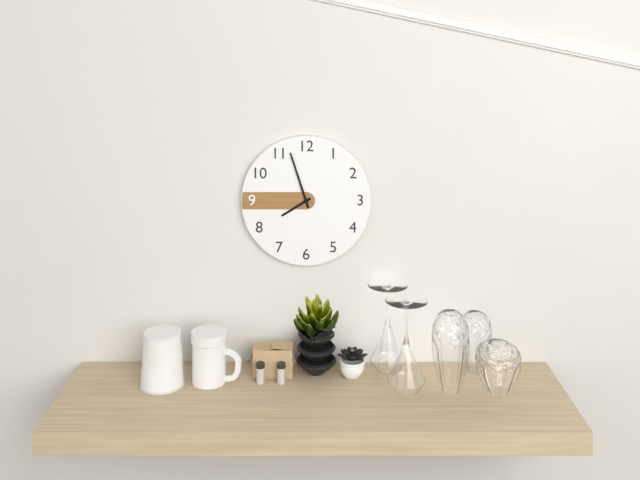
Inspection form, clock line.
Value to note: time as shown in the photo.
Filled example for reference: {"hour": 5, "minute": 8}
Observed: {"hour": 7, "minute": 57}
